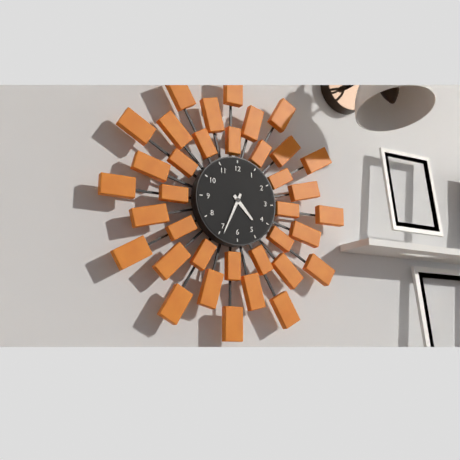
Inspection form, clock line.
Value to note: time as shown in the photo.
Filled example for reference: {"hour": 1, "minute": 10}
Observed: {"hour": 4, "minute": 34}
